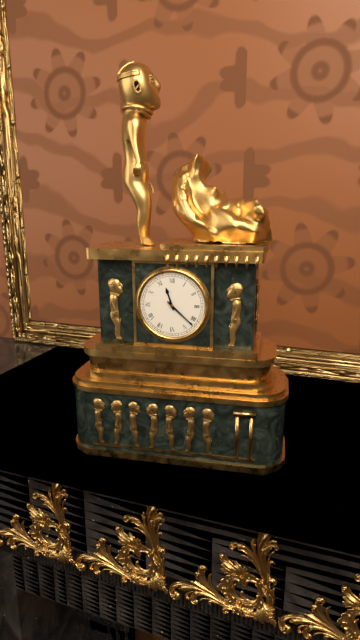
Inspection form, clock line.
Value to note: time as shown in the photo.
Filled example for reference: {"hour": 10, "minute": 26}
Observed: {"hour": 11, "minute": 22}
